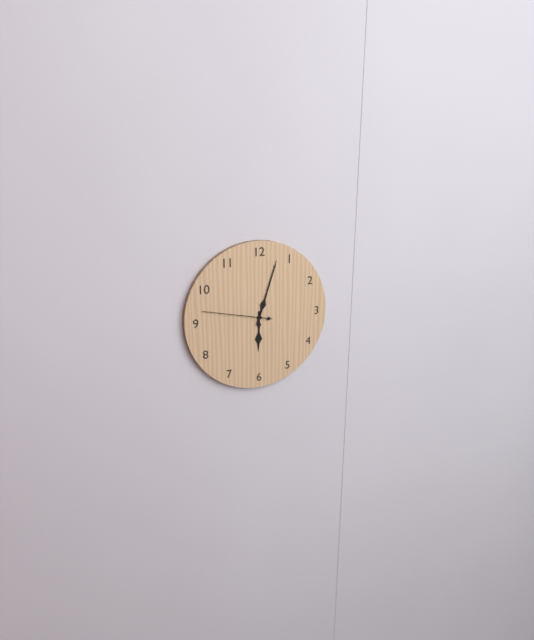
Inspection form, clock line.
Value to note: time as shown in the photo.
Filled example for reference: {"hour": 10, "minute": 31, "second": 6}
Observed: {"hour": 6, "minute": 3, "second": 47}
